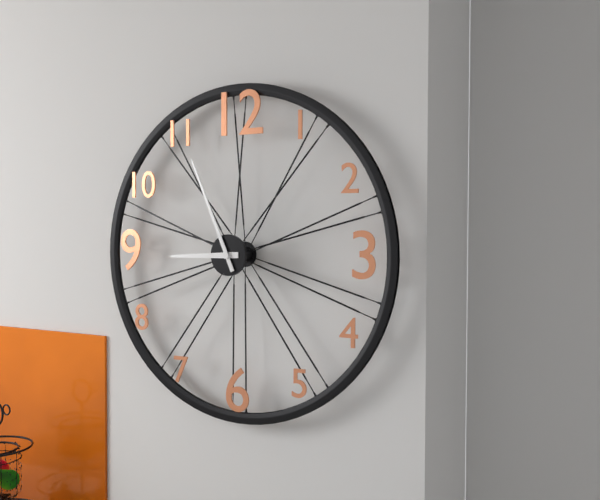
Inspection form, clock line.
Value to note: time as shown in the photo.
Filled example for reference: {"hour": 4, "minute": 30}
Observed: {"hour": 8, "minute": 56}
